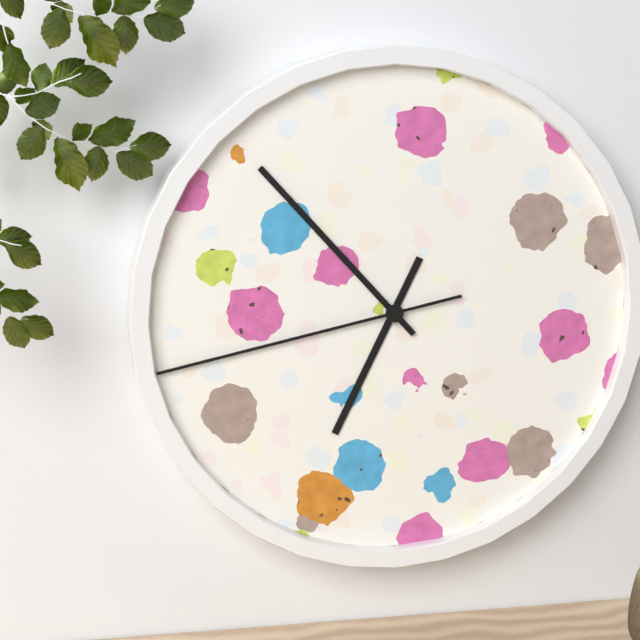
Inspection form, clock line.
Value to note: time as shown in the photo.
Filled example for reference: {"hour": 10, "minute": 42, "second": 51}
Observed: {"hour": 6, "minute": 53, "second": 43}
